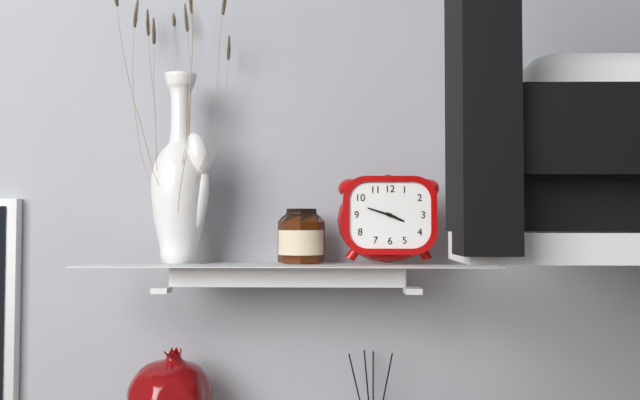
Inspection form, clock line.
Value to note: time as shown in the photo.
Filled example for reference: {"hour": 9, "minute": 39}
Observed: {"hour": 3, "minute": 48}
